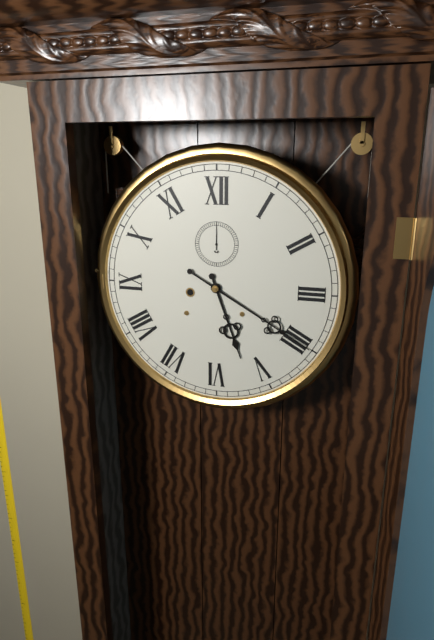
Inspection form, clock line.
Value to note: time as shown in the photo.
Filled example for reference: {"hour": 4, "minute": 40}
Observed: {"hour": 5, "minute": 20}
